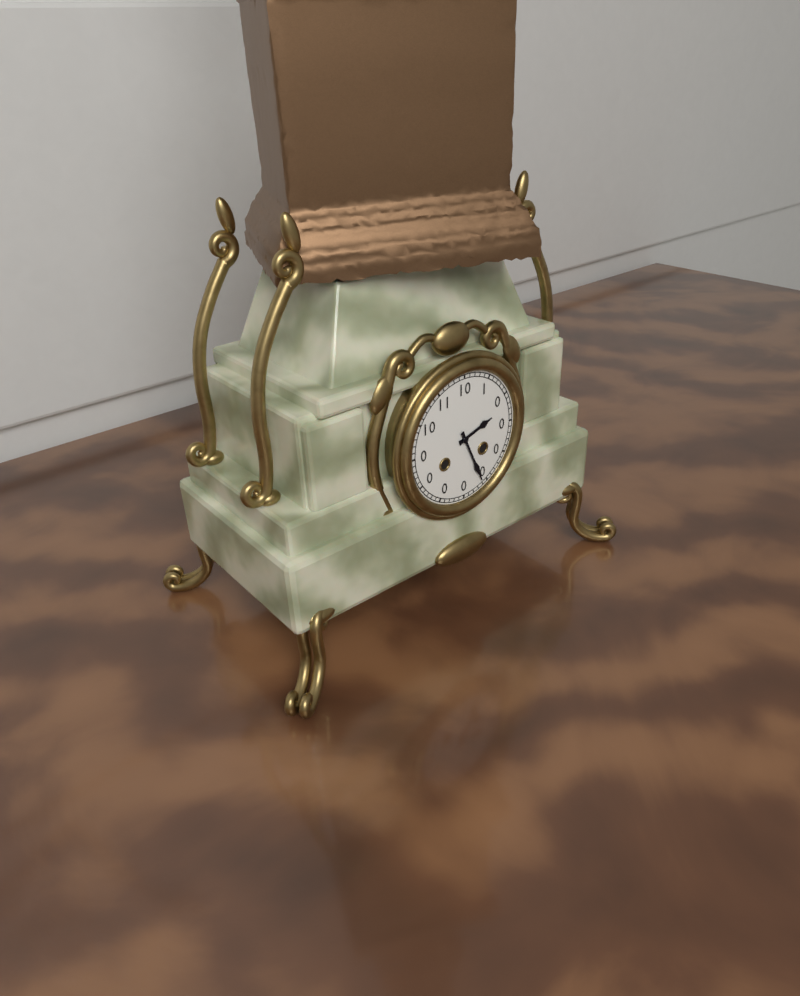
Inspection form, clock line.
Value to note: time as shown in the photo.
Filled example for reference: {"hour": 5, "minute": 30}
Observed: {"hour": 2, "minute": 26}
